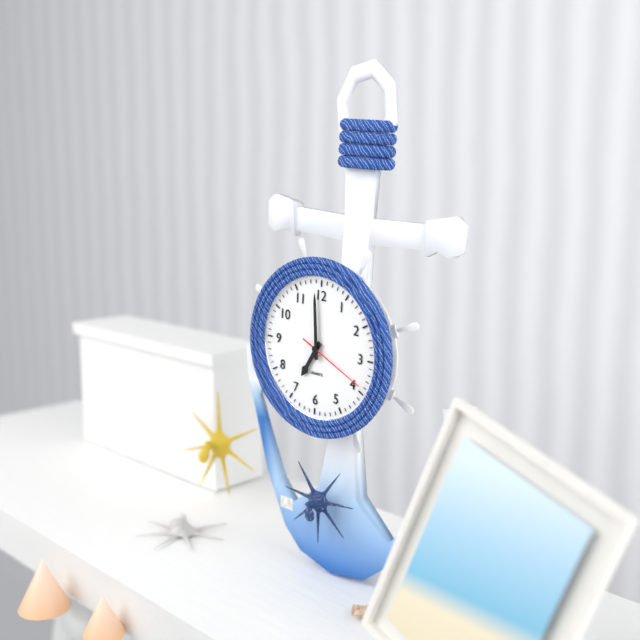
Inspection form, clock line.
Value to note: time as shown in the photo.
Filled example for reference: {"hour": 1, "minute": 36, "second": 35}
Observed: {"hour": 6, "minute": 59, "second": 19}
